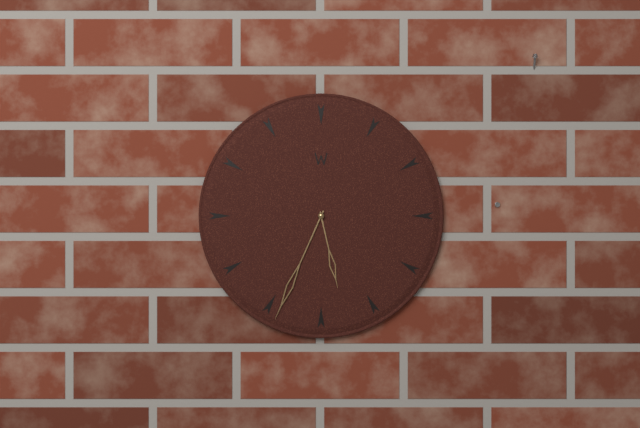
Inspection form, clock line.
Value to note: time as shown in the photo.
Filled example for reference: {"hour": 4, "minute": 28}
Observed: {"hour": 5, "minute": 34}
